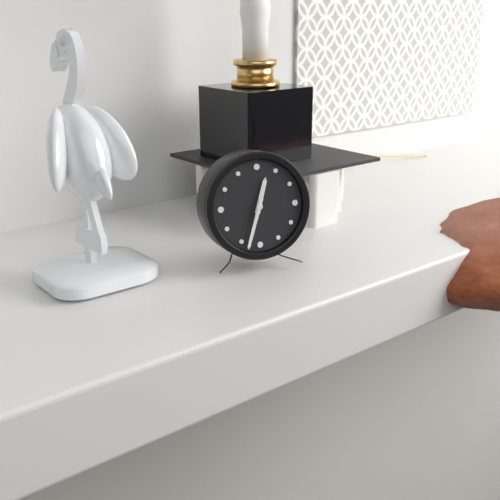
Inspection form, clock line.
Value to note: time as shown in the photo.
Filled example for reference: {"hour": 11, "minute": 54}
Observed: {"hour": 12, "minute": 33}
